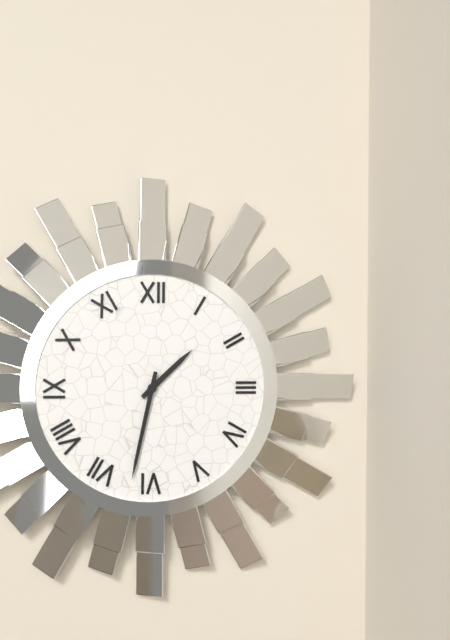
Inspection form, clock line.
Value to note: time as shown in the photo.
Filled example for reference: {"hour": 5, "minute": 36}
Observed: {"hour": 1, "minute": 32}
